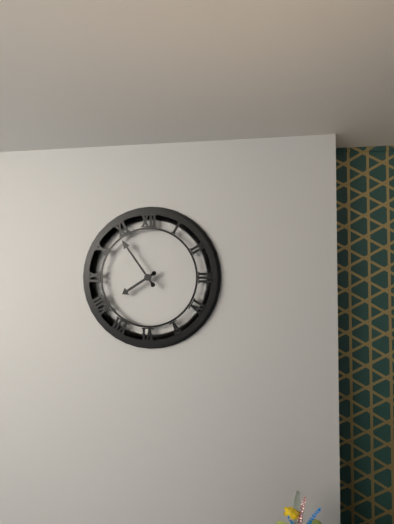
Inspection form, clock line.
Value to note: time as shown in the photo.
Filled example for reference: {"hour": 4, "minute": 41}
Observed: {"hour": 7, "minute": 54}
